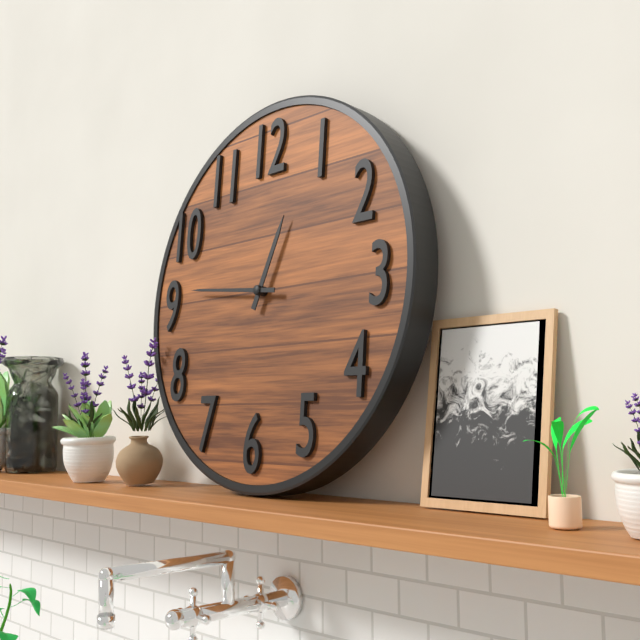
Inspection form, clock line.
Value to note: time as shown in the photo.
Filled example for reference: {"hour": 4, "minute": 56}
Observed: {"hour": 12, "minute": 46}
